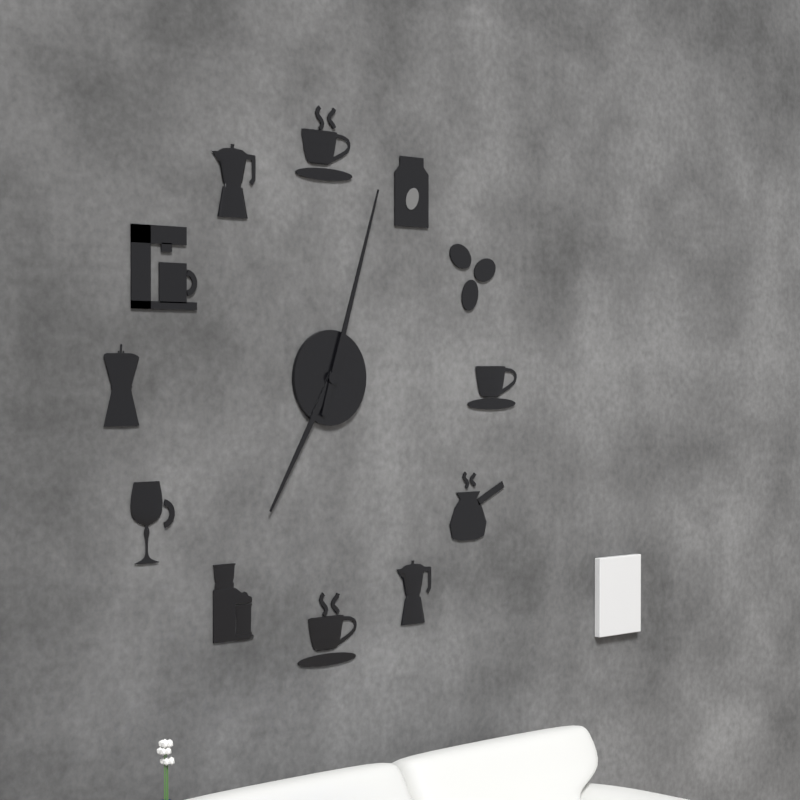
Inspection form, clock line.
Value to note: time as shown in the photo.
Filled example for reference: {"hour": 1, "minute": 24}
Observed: {"hour": 7, "minute": 3}
